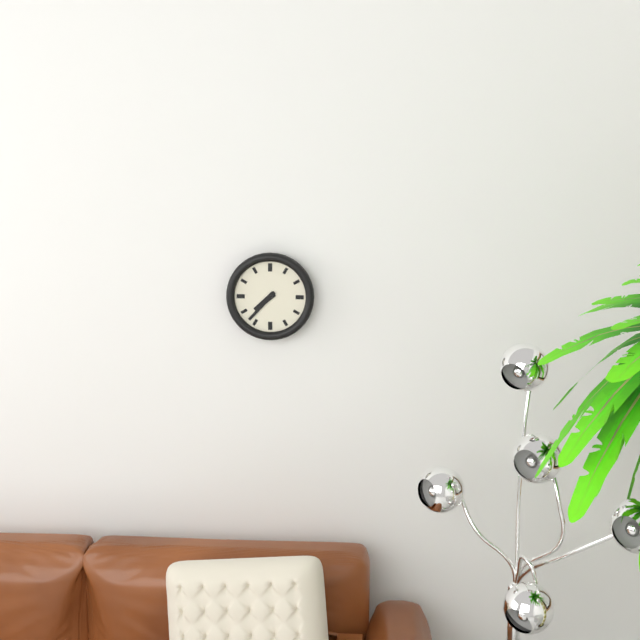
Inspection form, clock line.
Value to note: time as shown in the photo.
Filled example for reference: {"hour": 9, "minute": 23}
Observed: {"hour": 7, "minute": 37}
